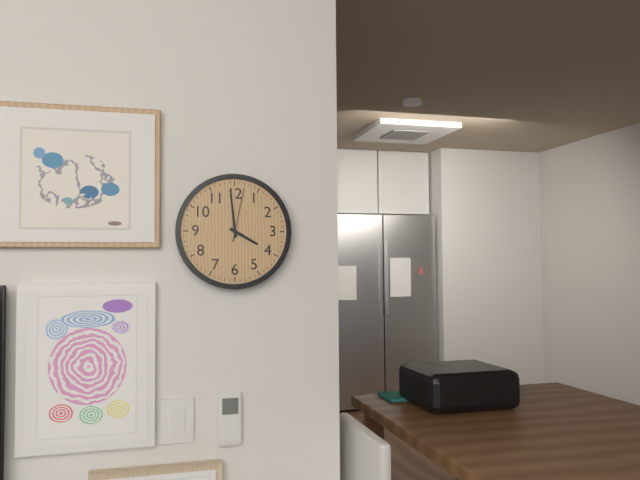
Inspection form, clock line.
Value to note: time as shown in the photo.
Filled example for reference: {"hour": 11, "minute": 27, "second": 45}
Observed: {"hour": 3, "minute": 59, "second": 2}
